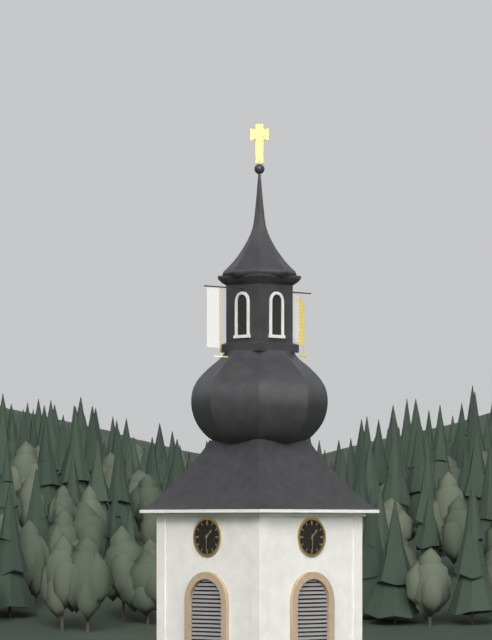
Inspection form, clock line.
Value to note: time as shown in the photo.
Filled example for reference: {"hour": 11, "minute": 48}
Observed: {"hour": 1, "minute": 30}
